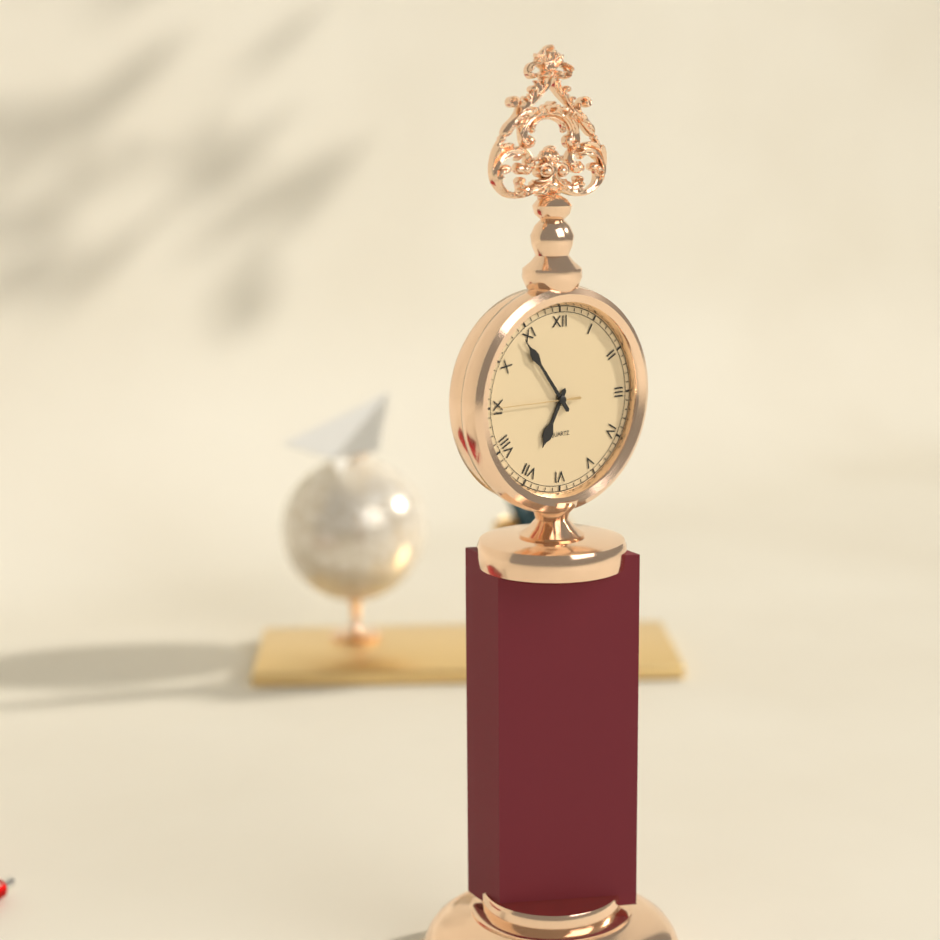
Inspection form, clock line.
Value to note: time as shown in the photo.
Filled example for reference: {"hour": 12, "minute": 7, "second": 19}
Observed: {"hour": 6, "minute": 54, "second": 45}
